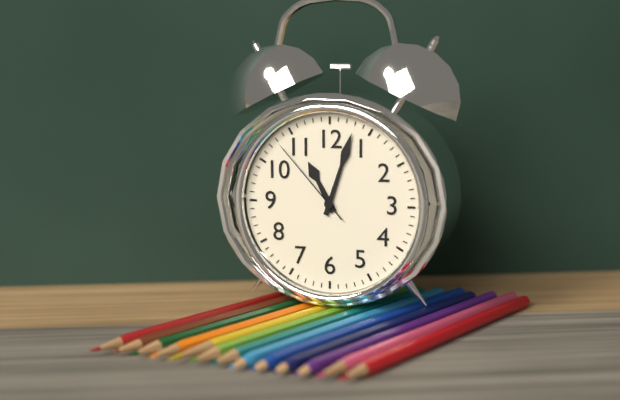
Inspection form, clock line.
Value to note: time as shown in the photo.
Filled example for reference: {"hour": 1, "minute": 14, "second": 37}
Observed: {"hour": 11, "minute": 3, "second": 53}
